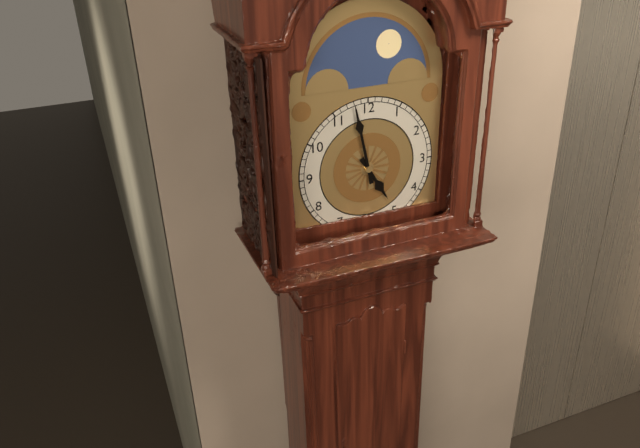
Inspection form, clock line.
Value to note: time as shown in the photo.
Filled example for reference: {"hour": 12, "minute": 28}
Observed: {"hour": 4, "minute": 58}
